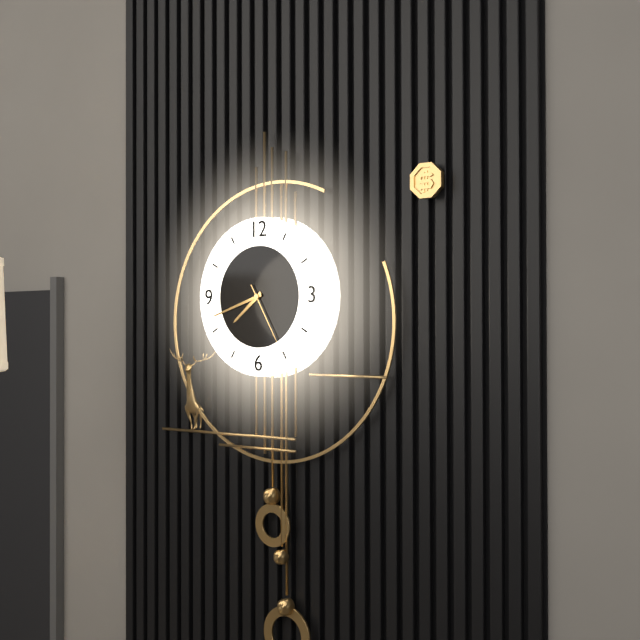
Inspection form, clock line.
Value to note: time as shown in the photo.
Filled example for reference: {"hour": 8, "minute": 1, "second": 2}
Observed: {"hour": 7, "minute": 42, "second": 25}
